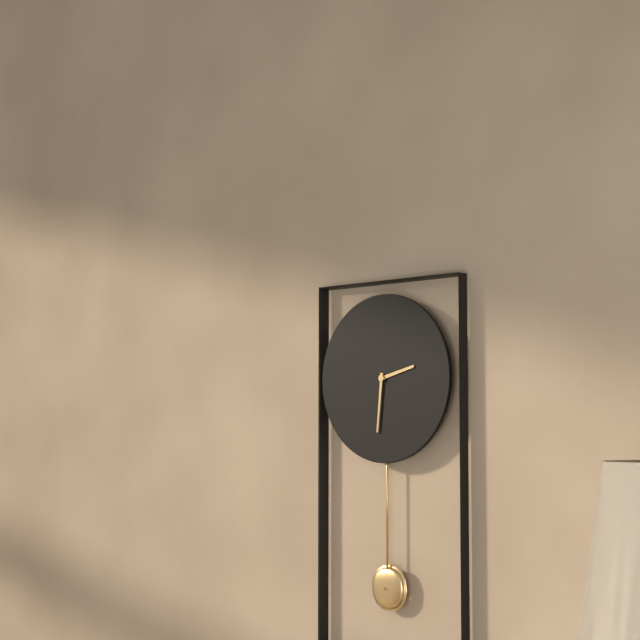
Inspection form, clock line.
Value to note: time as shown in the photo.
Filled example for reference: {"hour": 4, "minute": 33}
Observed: {"hour": 2, "minute": 31}
